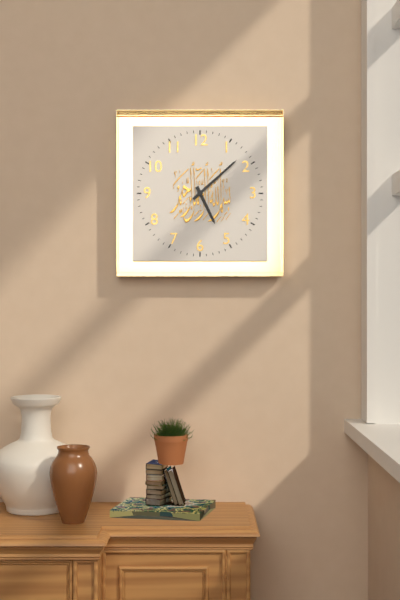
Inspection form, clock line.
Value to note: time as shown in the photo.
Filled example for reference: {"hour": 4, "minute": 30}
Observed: {"hour": 5, "minute": 8}
